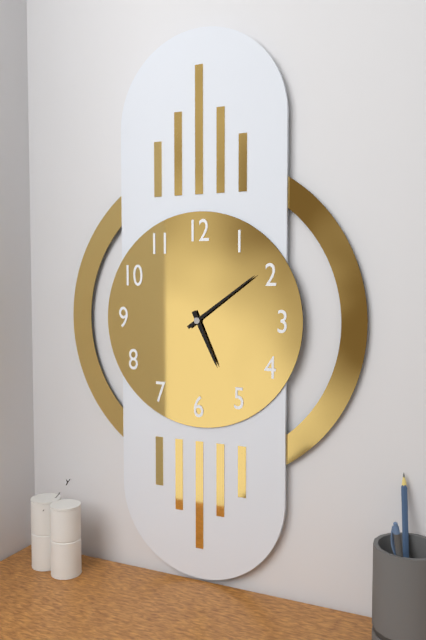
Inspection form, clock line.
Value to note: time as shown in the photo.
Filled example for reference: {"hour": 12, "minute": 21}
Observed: {"hour": 5, "minute": 9}
